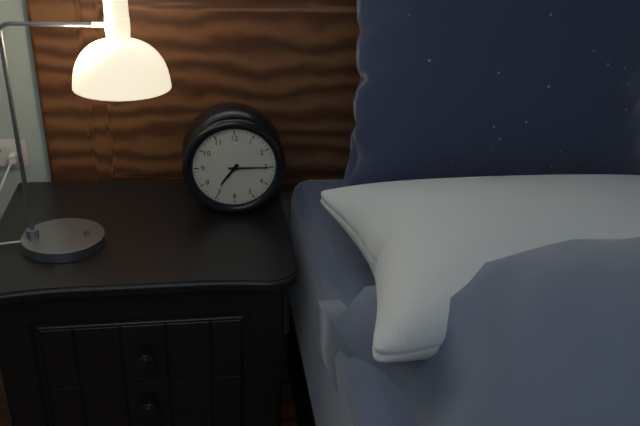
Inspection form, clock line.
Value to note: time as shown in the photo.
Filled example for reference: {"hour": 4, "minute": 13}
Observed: {"hour": 7, "minute": 15}
